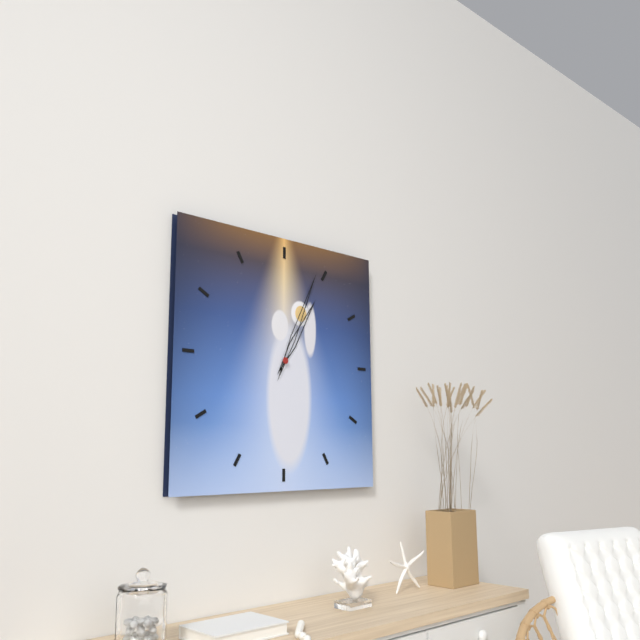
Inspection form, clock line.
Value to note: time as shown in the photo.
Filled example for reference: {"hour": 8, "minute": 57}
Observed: {"hour": 1, "minute": 4}
